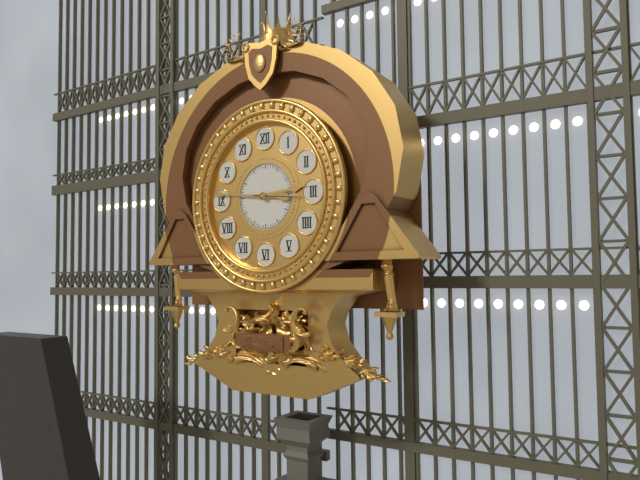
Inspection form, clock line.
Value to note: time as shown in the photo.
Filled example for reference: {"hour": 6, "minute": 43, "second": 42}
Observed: {"hour": 2, "minute": 46, "second": 16}
